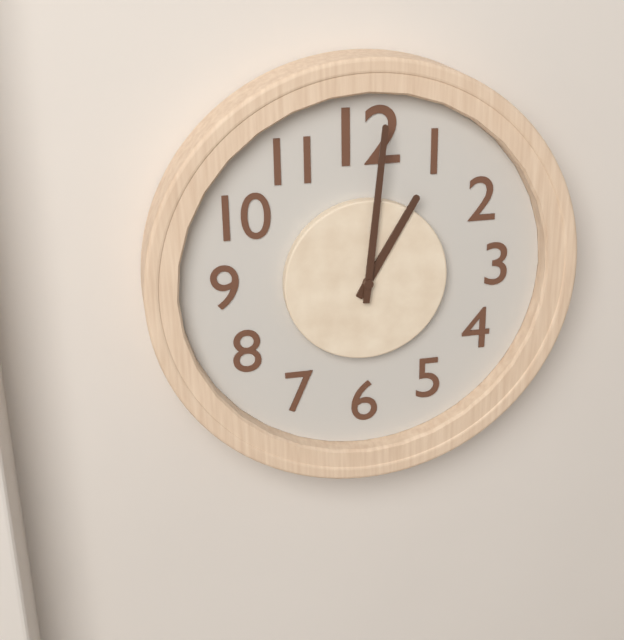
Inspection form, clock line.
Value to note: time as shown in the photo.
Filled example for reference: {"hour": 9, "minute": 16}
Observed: {"hour": 1, "minute": 1}
